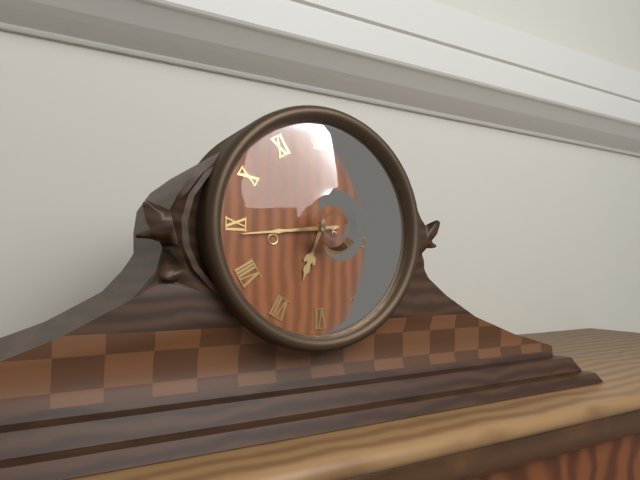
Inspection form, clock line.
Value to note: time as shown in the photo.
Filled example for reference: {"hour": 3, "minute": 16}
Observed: {"hour": 6, "minute": 44}
